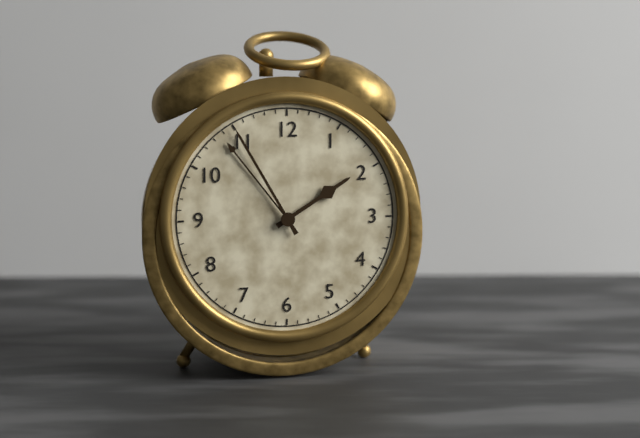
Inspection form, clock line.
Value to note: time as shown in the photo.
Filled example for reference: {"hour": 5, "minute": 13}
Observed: {"hour": 1, "minute": 55}
